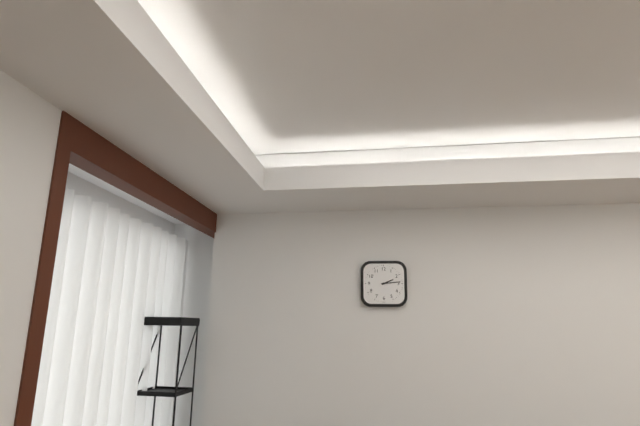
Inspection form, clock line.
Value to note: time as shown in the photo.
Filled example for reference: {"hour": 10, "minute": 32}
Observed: {"hour": 2, "minute": 14}
